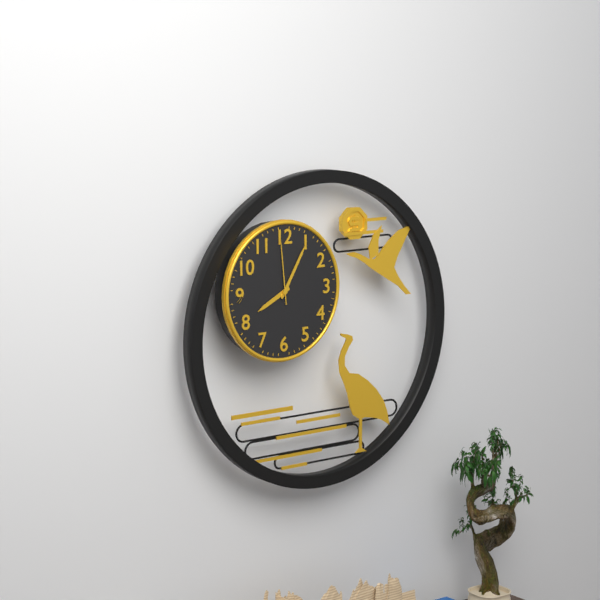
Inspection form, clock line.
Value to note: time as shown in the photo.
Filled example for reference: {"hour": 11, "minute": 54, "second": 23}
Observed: {"hour": 8, "minute": 5, "second": 59}
